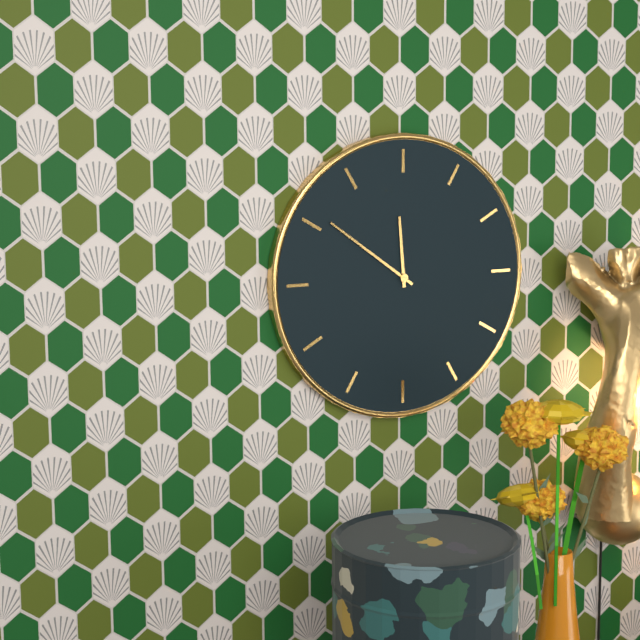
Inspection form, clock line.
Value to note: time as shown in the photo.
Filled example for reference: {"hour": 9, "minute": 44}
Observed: {"hour": 11, "minute": 51}
